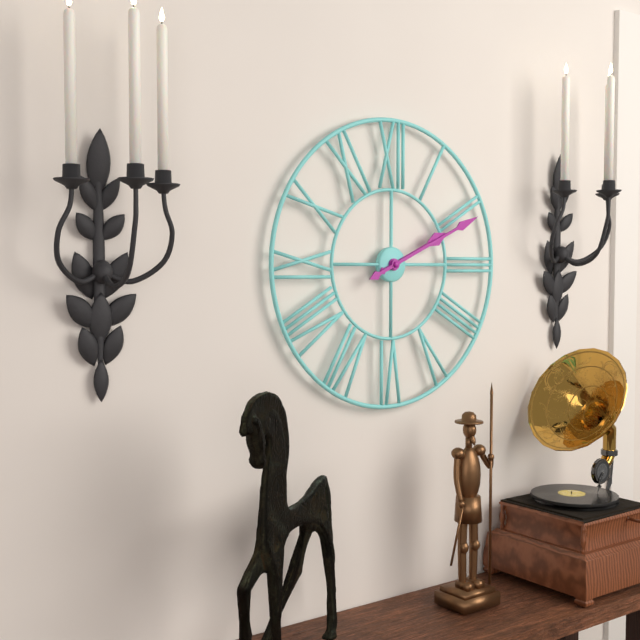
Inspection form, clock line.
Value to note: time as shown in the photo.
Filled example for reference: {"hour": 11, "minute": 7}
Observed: {"hour": 2, "minute": 11}
